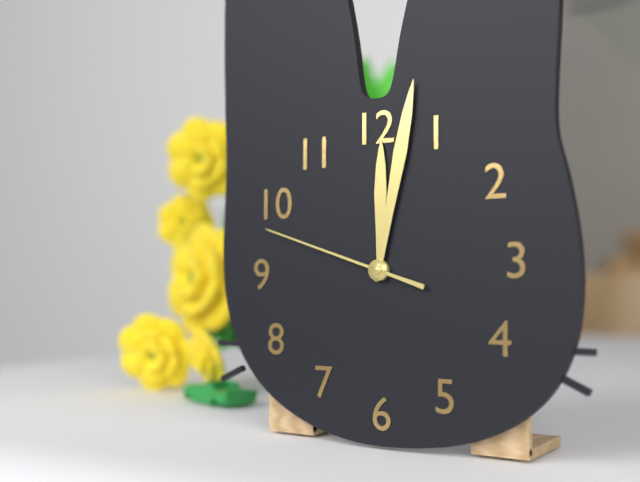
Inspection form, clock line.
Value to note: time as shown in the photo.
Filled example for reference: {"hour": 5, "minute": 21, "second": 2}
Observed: {"hour": 12, "minute": 2, "second": 48}
